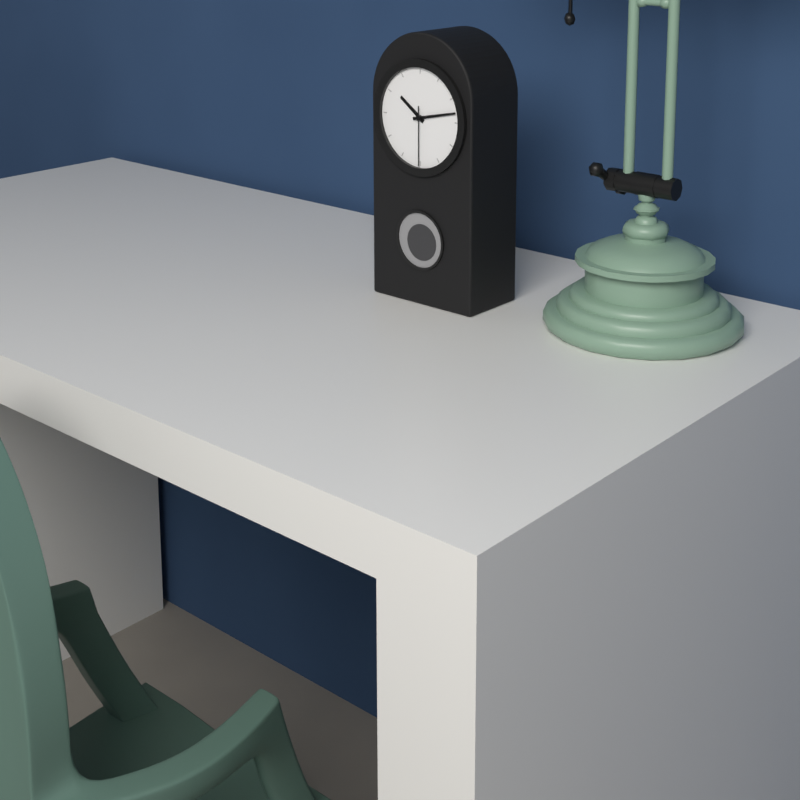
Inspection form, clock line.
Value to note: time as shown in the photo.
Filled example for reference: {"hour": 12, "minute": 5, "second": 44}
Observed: {"hour": 10, "minute": 13, "second": 30}
